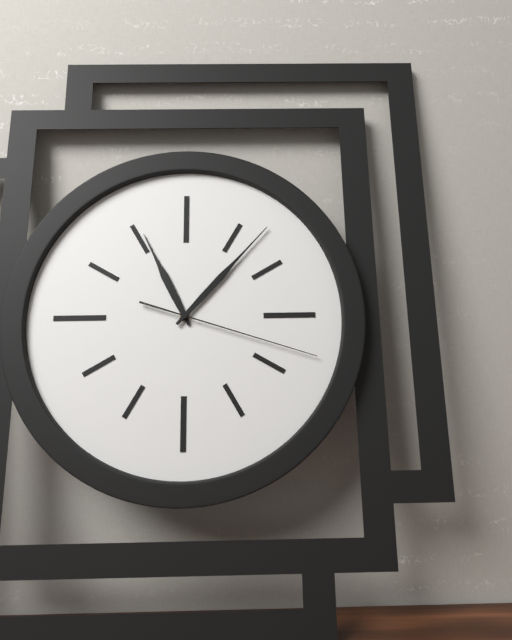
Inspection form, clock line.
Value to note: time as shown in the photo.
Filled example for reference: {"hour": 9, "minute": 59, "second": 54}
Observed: {"hour": 11, "minute": 7, "second": 18}
